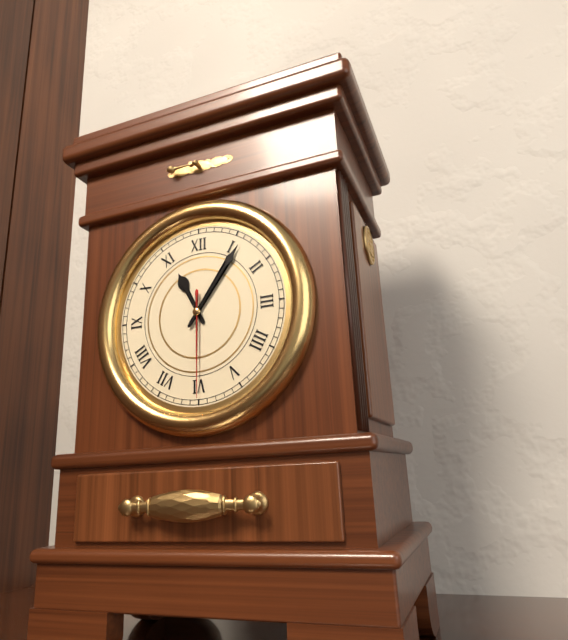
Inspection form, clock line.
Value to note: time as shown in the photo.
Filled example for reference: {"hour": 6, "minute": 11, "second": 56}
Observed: {"hour": 11, "minute": 6, "second": 30}
